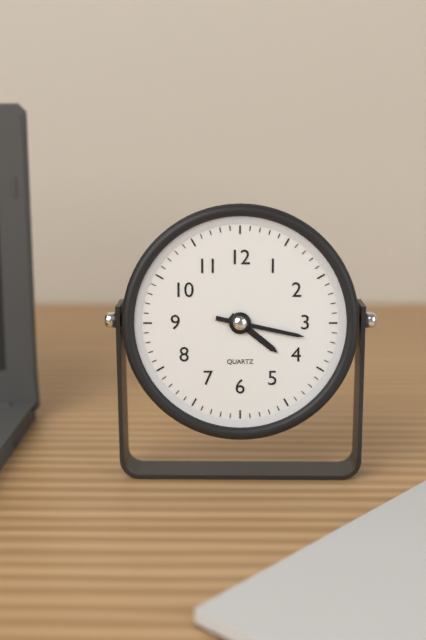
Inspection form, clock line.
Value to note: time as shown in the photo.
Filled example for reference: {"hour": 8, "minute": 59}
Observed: {"hour": 4, "minute": 17}
